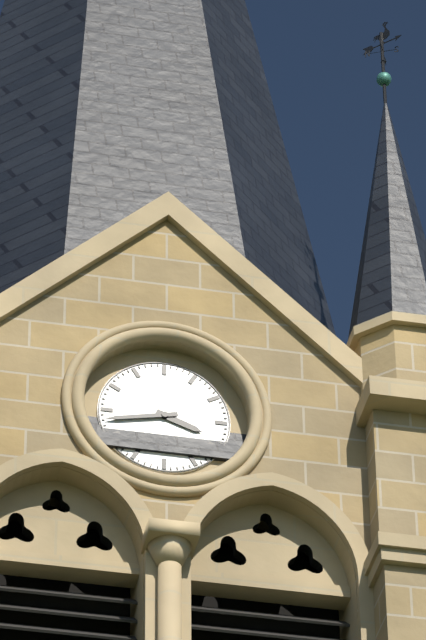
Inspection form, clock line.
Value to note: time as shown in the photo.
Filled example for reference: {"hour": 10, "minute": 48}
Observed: {"hour": 3, "minute": 43}
